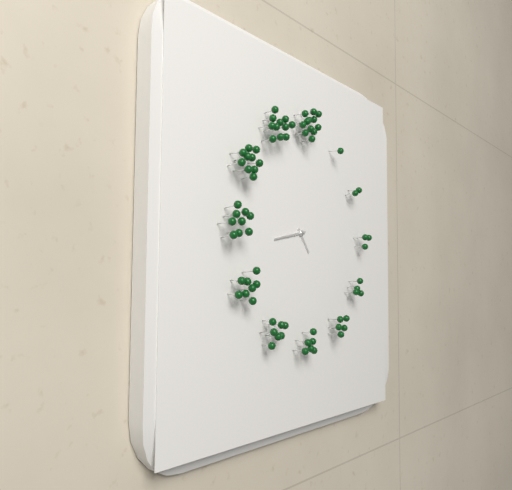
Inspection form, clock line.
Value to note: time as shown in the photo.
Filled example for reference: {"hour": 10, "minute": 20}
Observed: {"hour": 4, "minute": 43}
